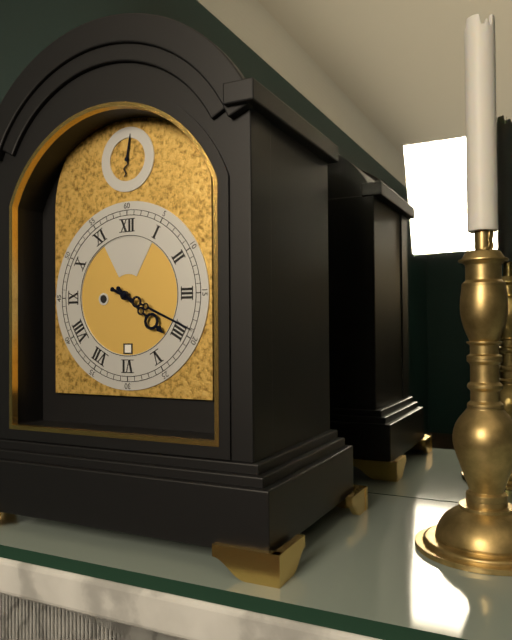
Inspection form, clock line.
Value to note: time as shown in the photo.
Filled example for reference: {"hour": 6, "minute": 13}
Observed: {"hour": 4, "minute": 19}
